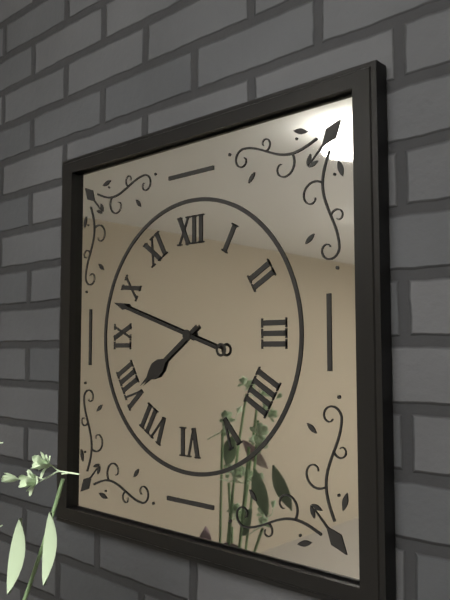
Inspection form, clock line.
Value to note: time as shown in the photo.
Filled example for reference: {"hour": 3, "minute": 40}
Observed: {"hour": 7, "minute": 48}
